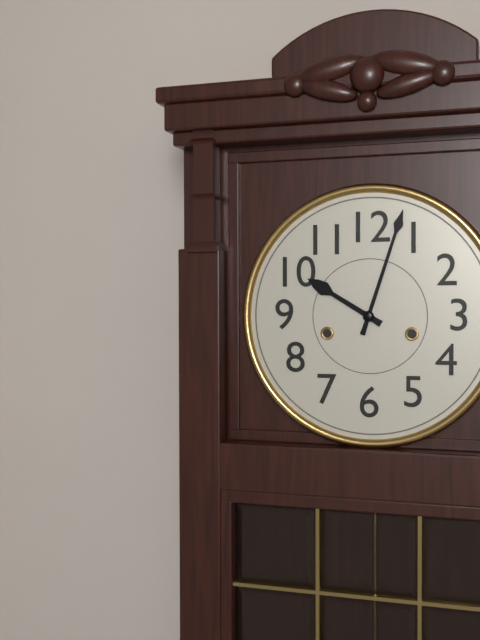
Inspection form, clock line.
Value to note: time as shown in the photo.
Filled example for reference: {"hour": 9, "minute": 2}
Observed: {"hour": 10, "minute": 3}
